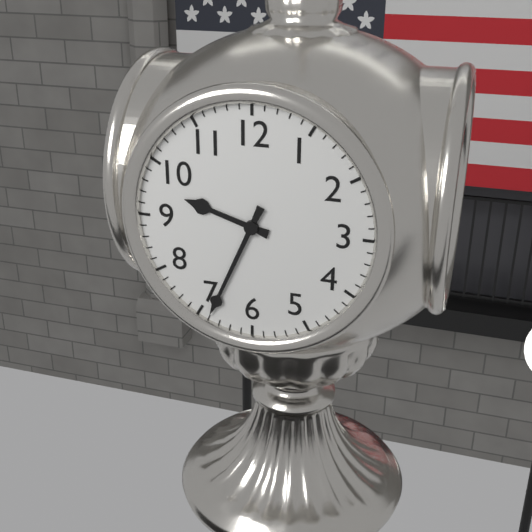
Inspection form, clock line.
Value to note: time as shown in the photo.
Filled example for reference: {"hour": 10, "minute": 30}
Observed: {"hour": 9, "minute": 34}
